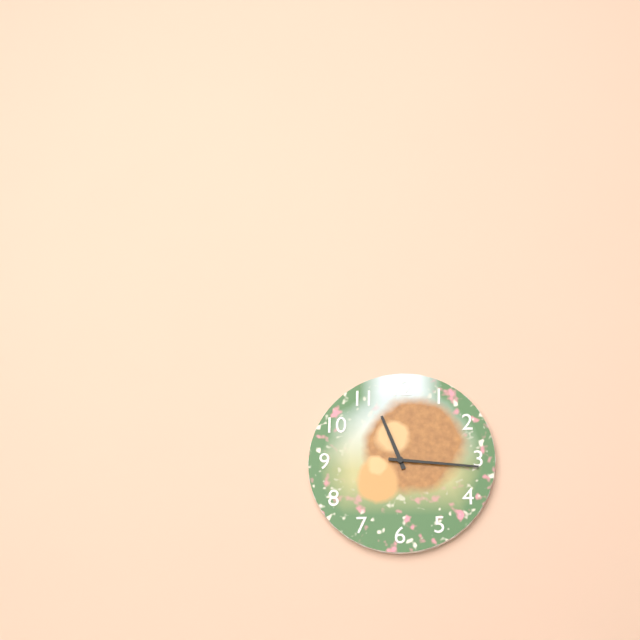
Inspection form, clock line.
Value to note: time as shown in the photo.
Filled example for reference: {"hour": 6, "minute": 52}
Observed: {"hour": 11, "minute": 16}
